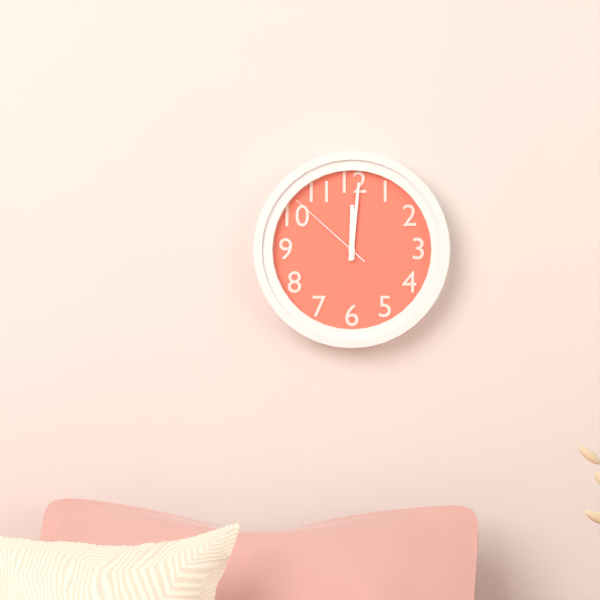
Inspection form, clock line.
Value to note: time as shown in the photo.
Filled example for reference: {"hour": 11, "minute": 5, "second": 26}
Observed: {"hour": 12, "minute": 1, "second": 52}
